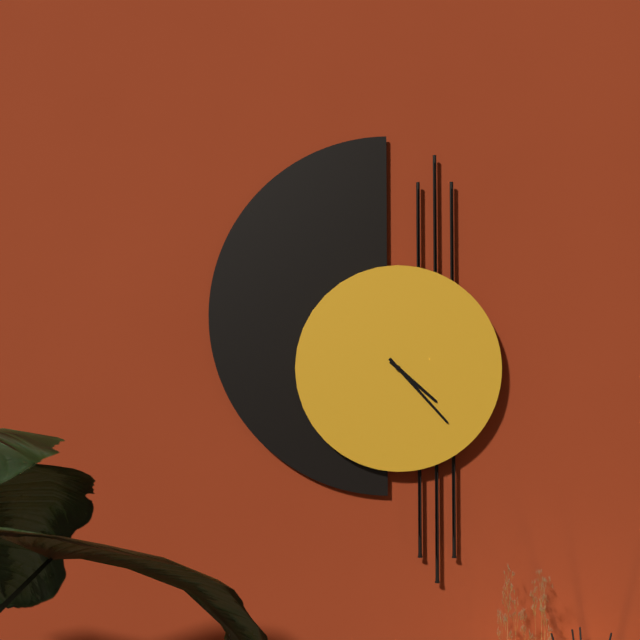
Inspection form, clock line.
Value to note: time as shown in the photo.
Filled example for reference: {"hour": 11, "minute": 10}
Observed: {"hour": 4, "minute": 23}
